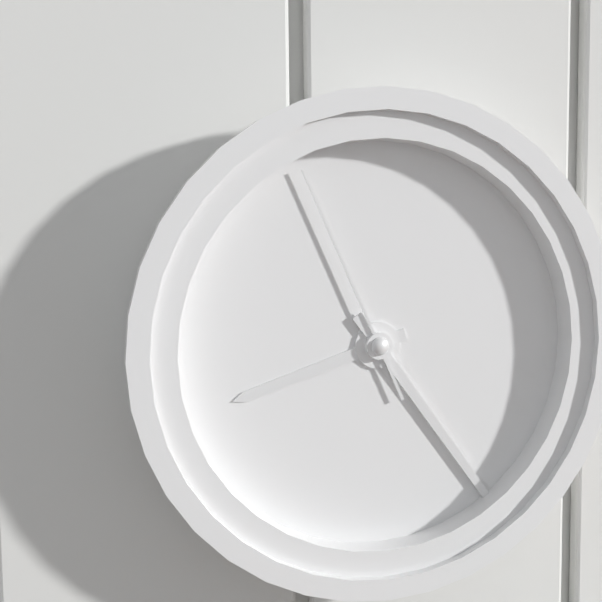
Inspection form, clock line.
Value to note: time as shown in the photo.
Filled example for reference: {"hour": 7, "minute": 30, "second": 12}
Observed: {"hour": 8, "minute": 24, "second": 56}
